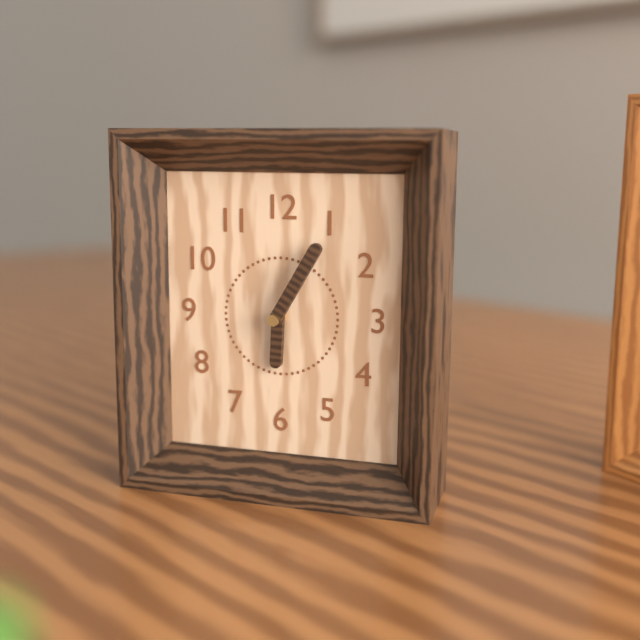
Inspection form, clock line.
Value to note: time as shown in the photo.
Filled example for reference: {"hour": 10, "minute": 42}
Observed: {"hour": 6, "minute": 5}
